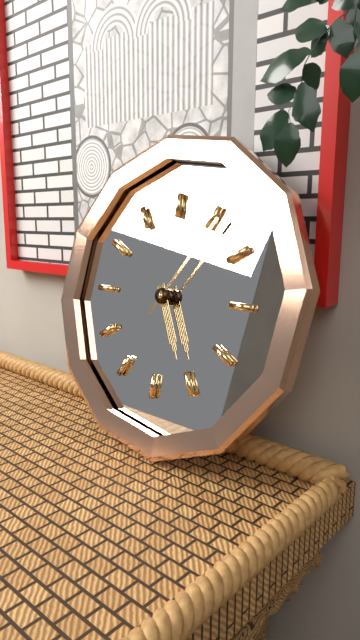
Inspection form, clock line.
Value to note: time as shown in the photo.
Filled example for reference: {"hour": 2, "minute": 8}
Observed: {"hour": 5, "minute": 6}
